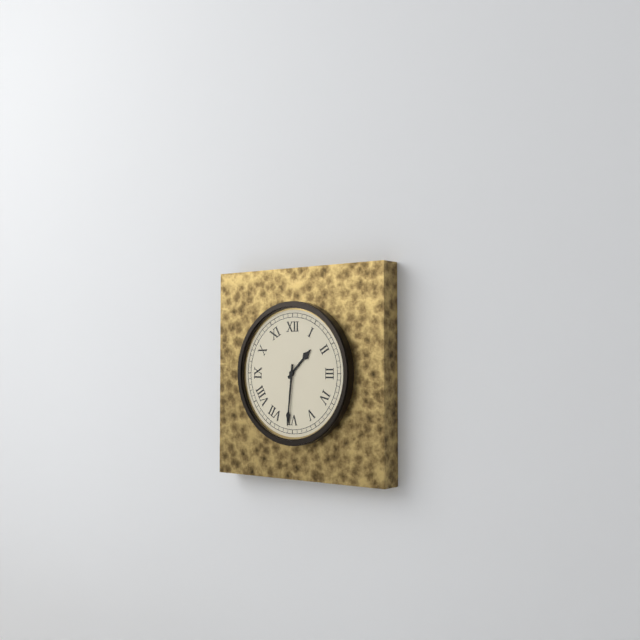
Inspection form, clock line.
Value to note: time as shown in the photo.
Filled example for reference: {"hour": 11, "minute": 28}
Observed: {"hour": 1, "minute": 31}
